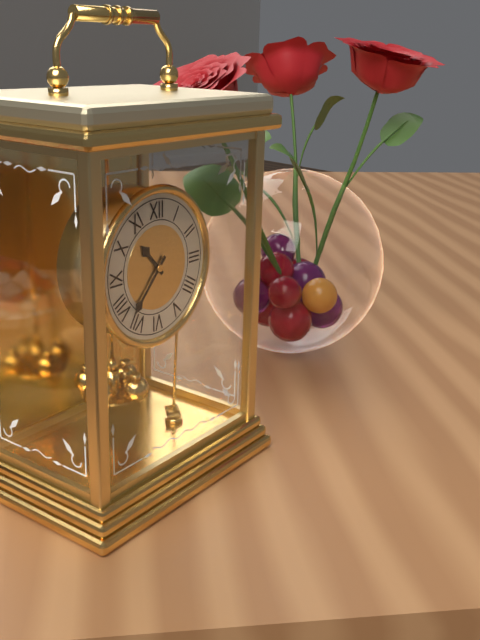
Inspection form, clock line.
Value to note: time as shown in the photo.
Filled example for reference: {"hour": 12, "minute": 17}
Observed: {"hour": 10, "minute": 37}
